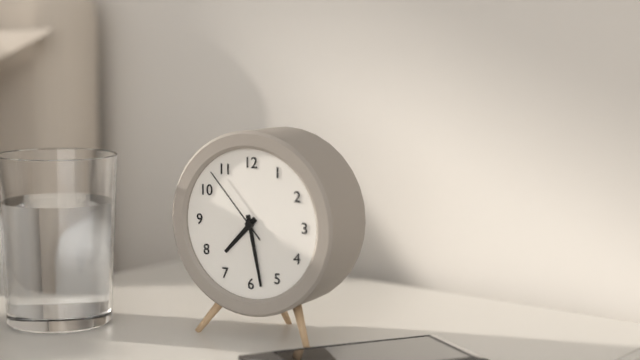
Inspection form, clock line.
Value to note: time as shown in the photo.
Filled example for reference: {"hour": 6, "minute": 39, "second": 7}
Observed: {"hour": 7, "minute": 28, "second": 53}
